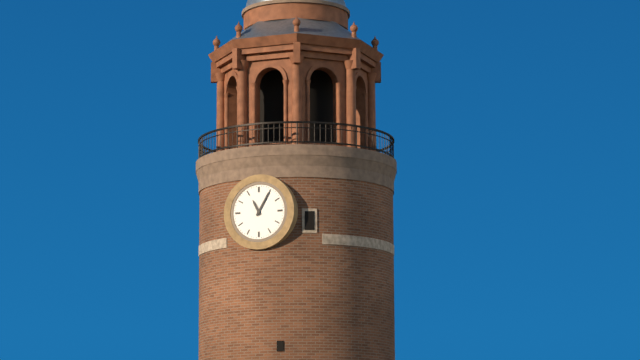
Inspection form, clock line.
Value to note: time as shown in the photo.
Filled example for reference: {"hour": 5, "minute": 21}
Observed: {"hour": 11, "minute": 5}
